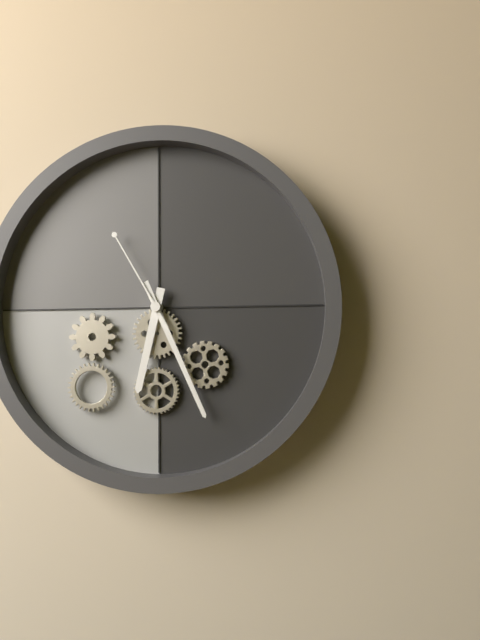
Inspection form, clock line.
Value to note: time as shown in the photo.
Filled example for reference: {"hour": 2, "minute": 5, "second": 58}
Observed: {"hour": 6, "minute": 26, "second": 55}
